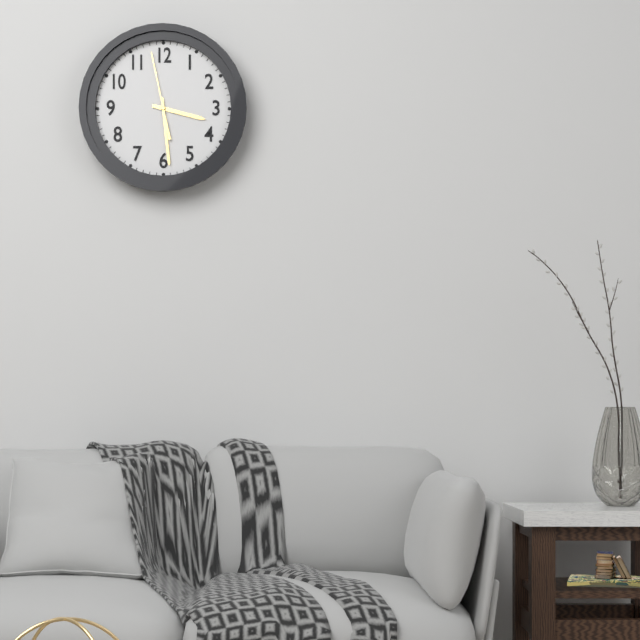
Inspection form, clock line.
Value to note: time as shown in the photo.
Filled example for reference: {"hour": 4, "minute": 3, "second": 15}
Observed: {"hour": 3, "minute": 29, "second": 58}
